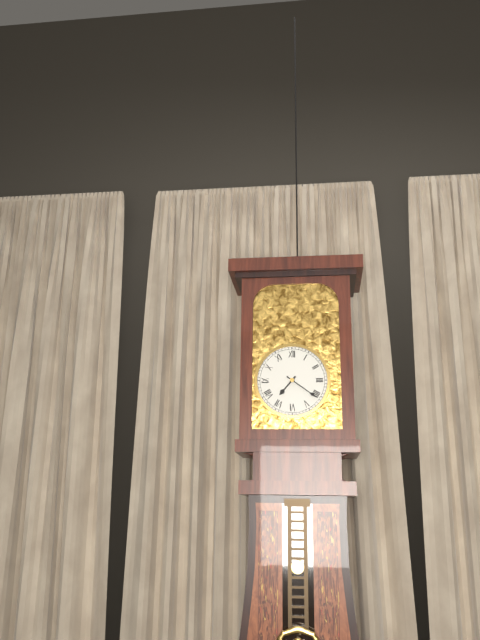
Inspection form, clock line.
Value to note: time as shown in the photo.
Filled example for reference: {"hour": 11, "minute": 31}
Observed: {"hour": 7, "minute": 21}
